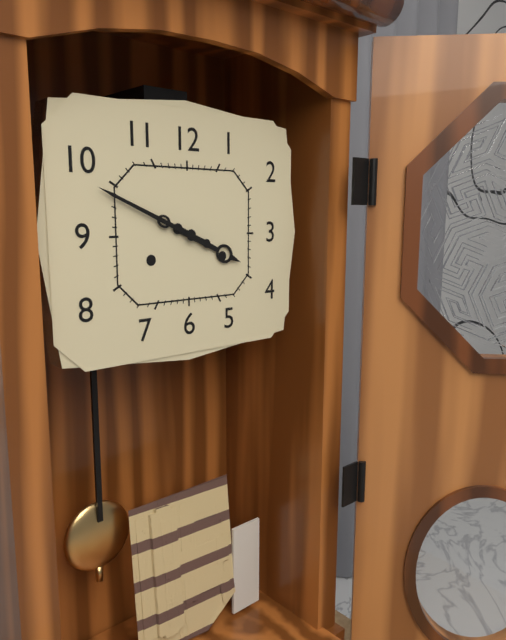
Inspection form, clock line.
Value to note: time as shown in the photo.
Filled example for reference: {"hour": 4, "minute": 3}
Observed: {"hour": 3, "minute": 49}
